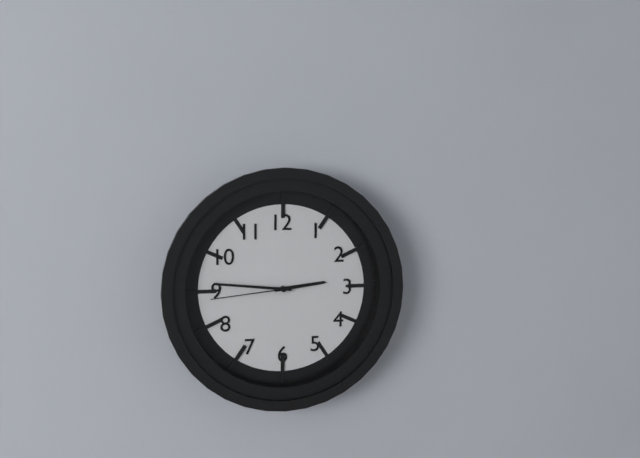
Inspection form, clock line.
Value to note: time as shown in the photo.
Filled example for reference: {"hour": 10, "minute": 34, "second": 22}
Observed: {"hour": 2, "minute": 46, "second": 44}
